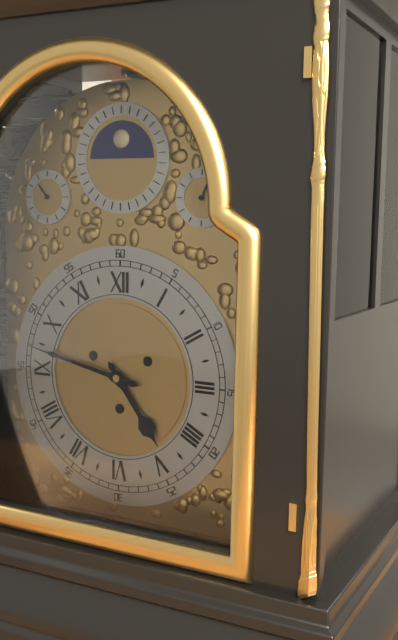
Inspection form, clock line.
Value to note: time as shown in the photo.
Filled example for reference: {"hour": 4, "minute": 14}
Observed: {"hour": 4, "minute": 47}
